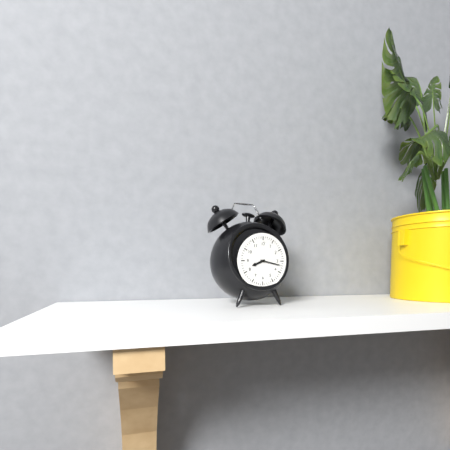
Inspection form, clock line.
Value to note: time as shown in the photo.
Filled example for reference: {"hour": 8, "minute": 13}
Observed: {"hour": 8, "minute": 17}
